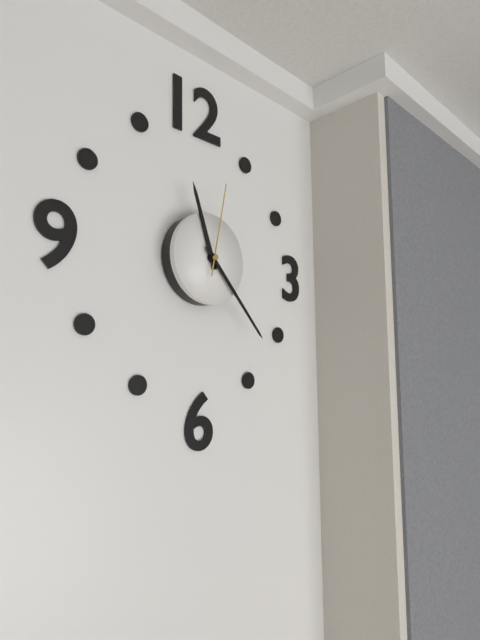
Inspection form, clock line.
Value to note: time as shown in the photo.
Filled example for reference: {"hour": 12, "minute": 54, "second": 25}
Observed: {"hour": 11, "minute": 23, "second": 2}
